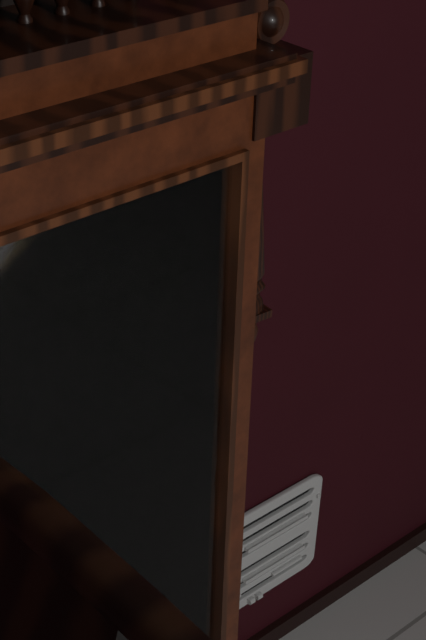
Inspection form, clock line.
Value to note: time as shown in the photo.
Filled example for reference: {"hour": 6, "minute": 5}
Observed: {"hour": 1, "minute": 5}
